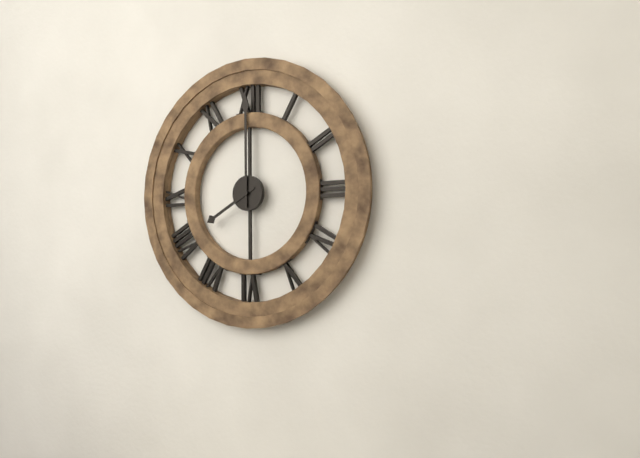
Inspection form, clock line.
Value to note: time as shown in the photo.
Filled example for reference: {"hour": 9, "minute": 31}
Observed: {"hour": 8, "minute": 0}
